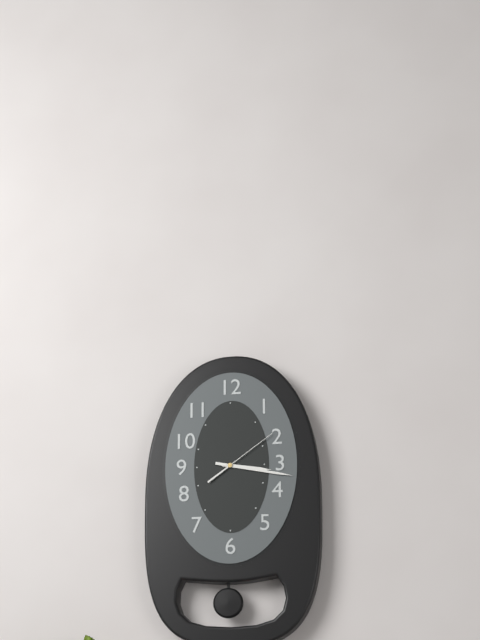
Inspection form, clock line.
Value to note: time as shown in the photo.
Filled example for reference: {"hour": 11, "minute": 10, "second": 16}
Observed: {"hour": 3, "minute": 17, "second": 9}
